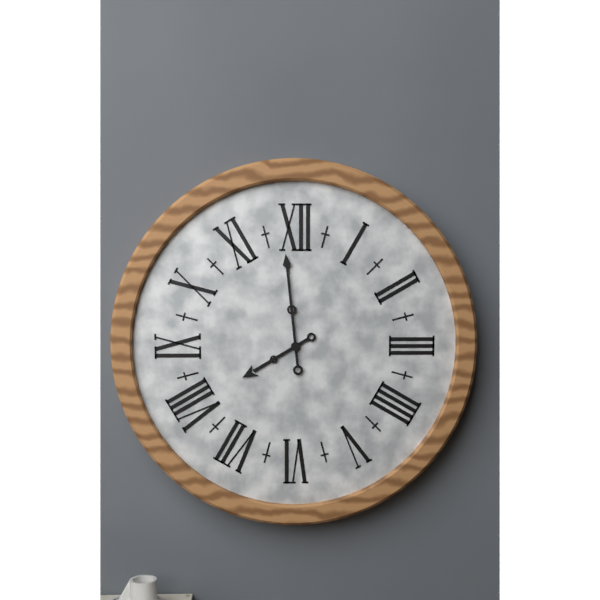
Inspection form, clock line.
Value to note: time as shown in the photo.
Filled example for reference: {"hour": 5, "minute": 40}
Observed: {"hour": 7, "minute": 59}
